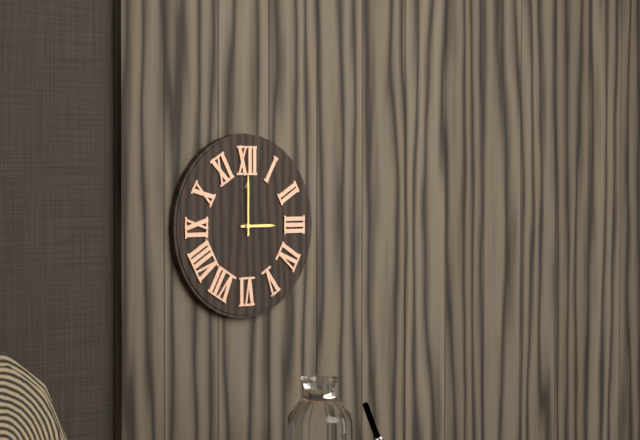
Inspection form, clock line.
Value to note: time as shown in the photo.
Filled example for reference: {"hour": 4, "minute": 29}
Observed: {"hour": 3, "minute": 0}
